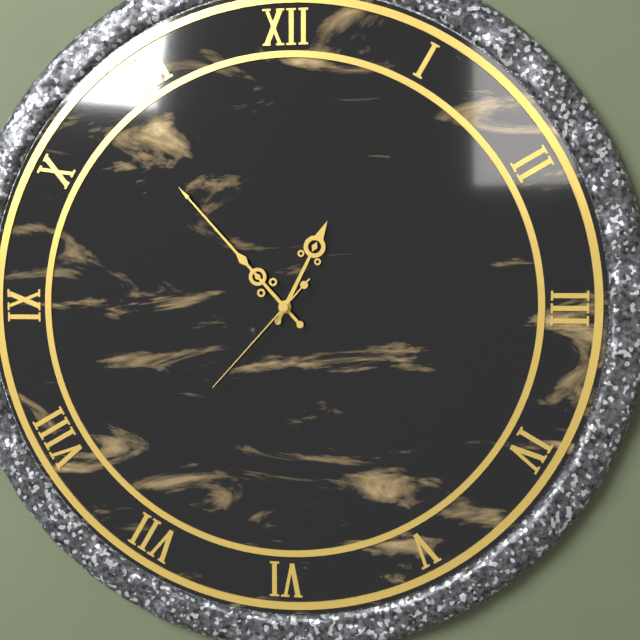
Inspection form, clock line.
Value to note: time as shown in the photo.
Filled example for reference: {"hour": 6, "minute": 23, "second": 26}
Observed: {"hour": 12, "minute": 53, "second": 37}
